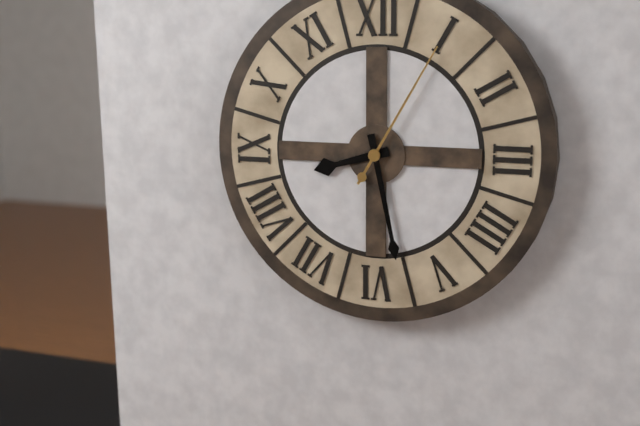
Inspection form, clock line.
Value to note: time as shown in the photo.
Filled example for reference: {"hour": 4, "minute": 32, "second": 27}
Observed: {"hour": 8, "minute": 28, "second": 5}
